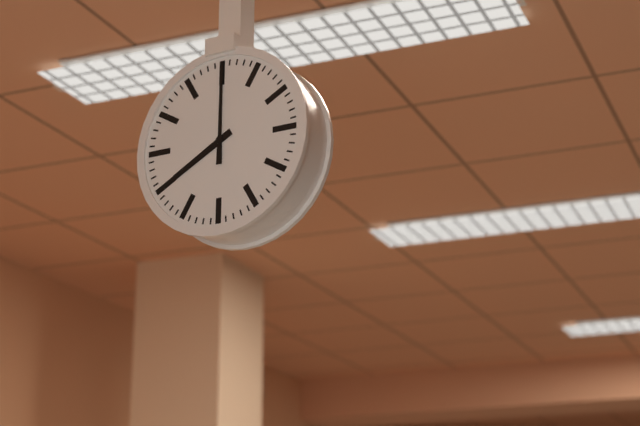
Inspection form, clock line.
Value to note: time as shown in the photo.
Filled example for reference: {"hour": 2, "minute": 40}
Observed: {"hour": 8, "minute": 0}
